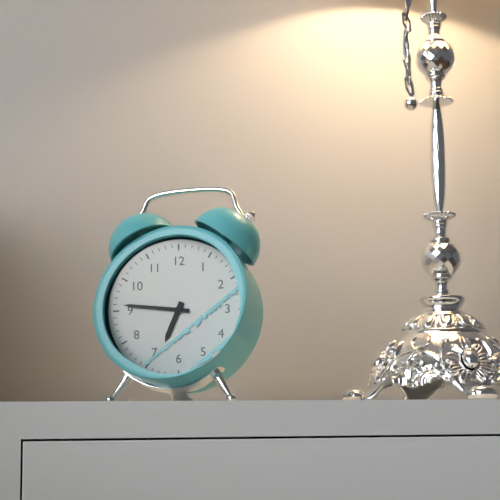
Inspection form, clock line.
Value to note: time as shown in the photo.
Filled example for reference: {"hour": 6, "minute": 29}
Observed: {"hour": 6, "minute": 46}
